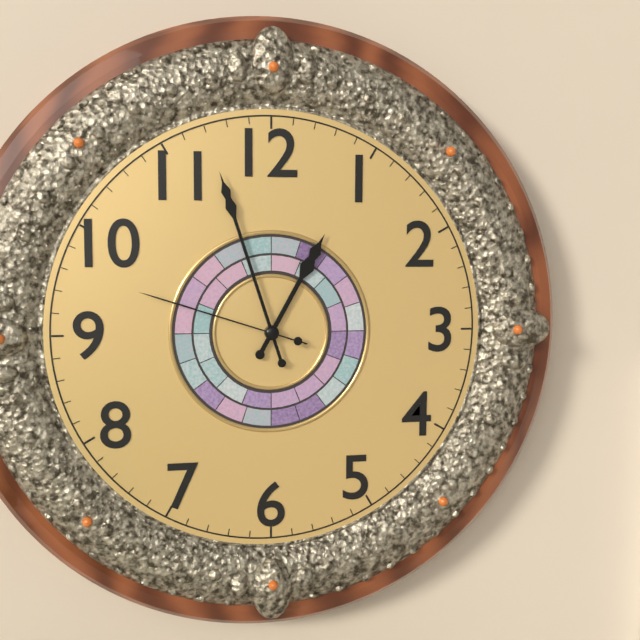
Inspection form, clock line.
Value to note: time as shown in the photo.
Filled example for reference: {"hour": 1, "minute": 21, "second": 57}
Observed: {"hour": 12, "minute": 57, "second": 48}
